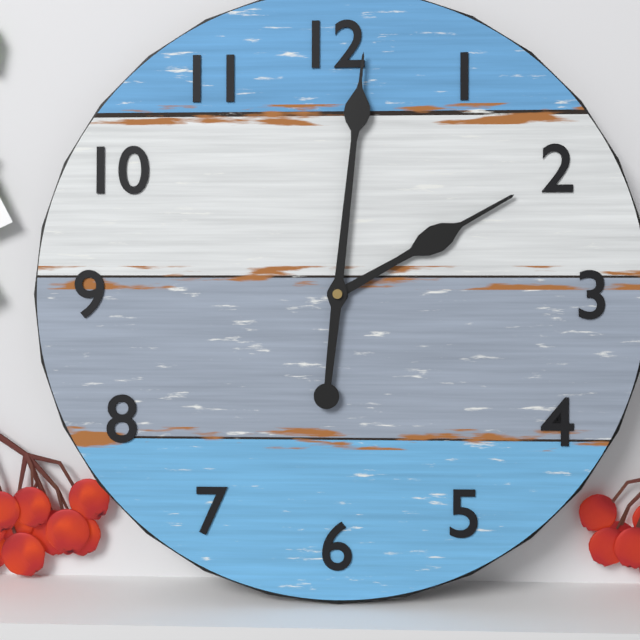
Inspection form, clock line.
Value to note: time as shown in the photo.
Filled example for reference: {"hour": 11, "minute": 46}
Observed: {"hour": 2, "minute": 1}
